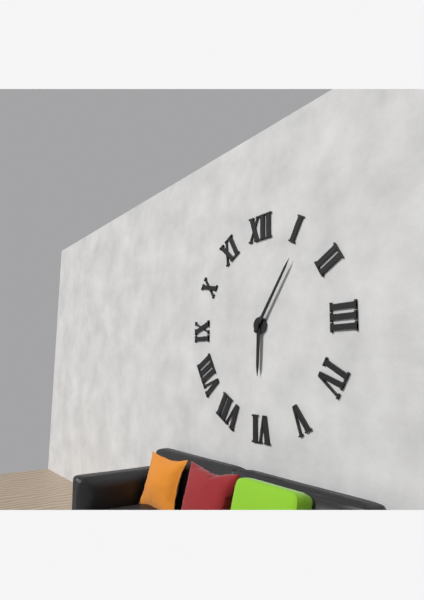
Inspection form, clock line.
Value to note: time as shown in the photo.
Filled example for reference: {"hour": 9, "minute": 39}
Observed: {"hour": 6, "minute": 6}
